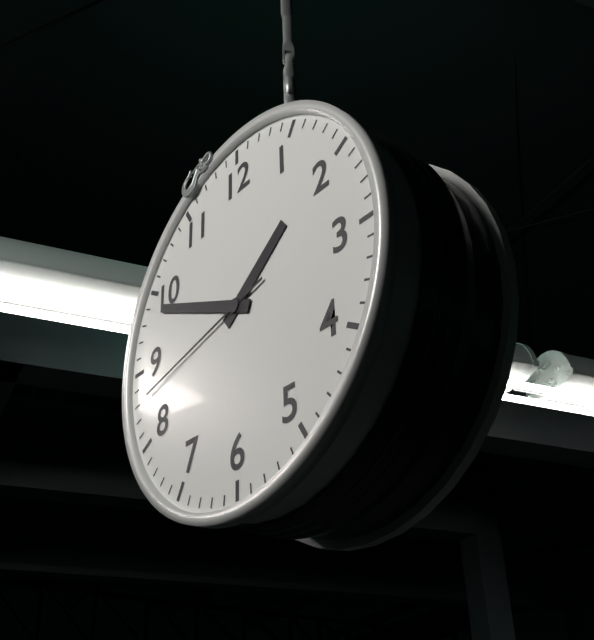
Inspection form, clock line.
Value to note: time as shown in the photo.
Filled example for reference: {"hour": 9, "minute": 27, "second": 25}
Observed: {"hour": 1, "minute": 49, "second": 43}
